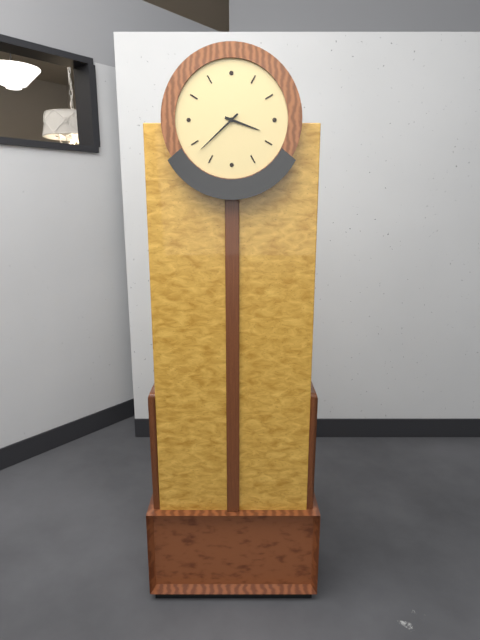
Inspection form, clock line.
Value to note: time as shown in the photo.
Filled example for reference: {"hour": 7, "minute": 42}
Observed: {"hour": 3, "minute": 38}
